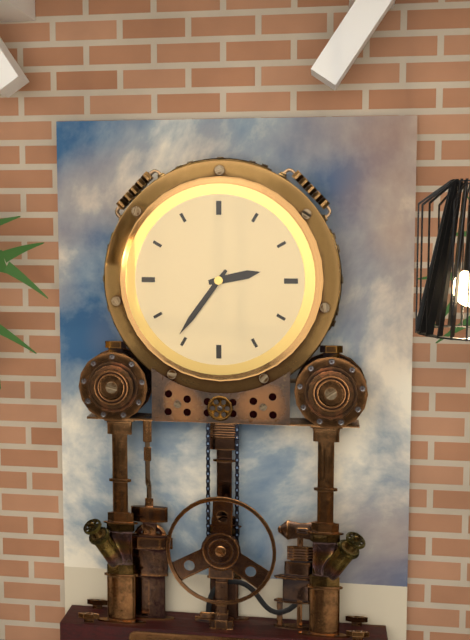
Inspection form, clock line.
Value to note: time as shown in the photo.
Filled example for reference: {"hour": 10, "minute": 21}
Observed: {"hour": 2, "minute": 36}
